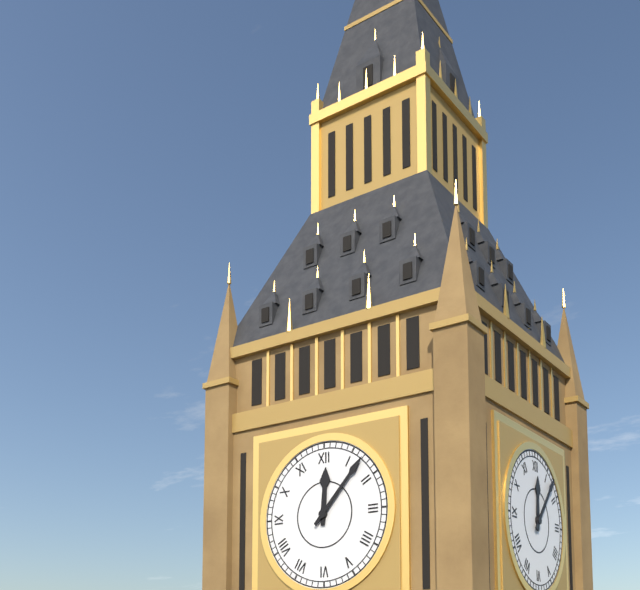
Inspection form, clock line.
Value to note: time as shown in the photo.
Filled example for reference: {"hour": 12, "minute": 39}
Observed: {"hour": 12, "minute": 7}
